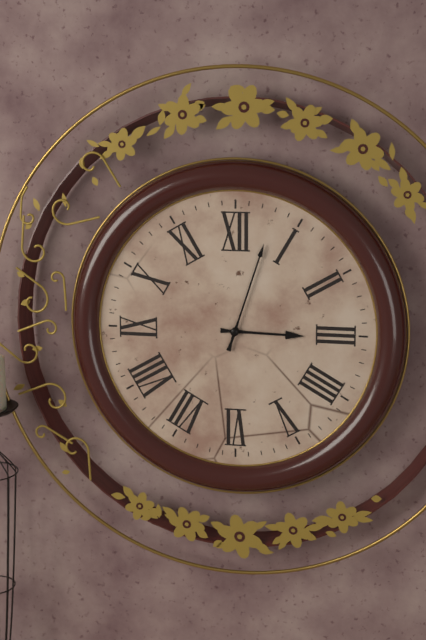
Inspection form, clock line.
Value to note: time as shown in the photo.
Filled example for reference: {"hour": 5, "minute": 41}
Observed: {"hour": 3, "minute": 3}
